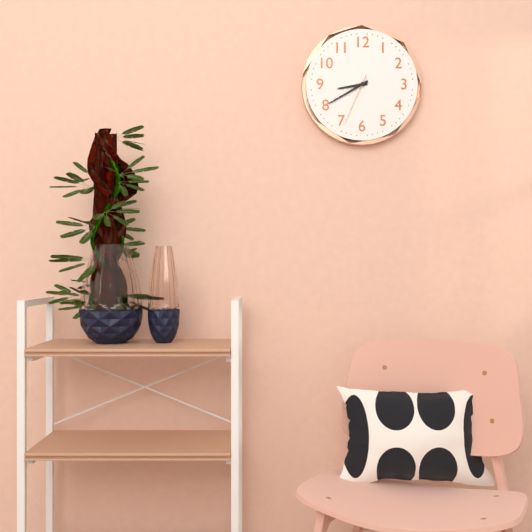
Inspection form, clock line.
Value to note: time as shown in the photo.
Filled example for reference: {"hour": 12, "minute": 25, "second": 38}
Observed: {"hour": 8, "minute": 40, "second": 34}
